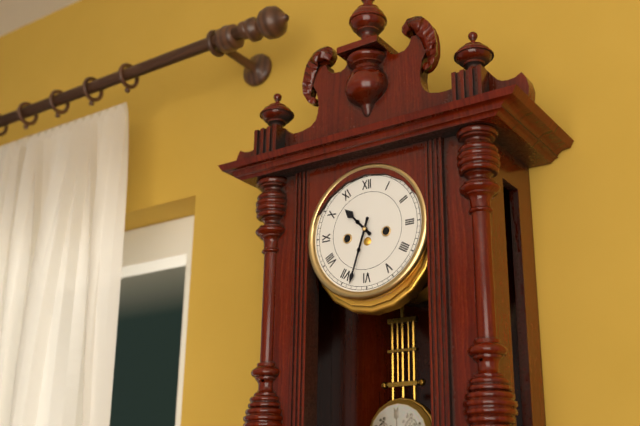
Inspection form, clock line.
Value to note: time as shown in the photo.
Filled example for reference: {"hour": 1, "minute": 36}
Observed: {"hour": 10, "minute": 33}
